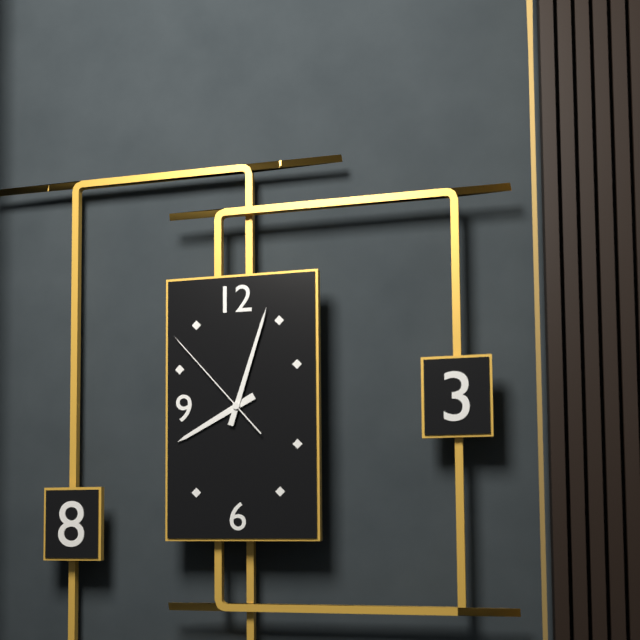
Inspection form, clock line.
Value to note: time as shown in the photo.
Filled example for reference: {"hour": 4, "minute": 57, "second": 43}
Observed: {"hour": 8, "minute": 3, "second": 53}
